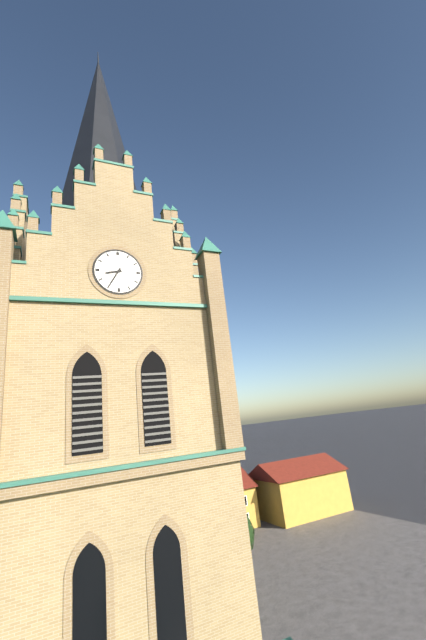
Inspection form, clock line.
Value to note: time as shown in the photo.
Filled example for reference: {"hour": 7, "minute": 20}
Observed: {"hour": 8, "minute": 35}
